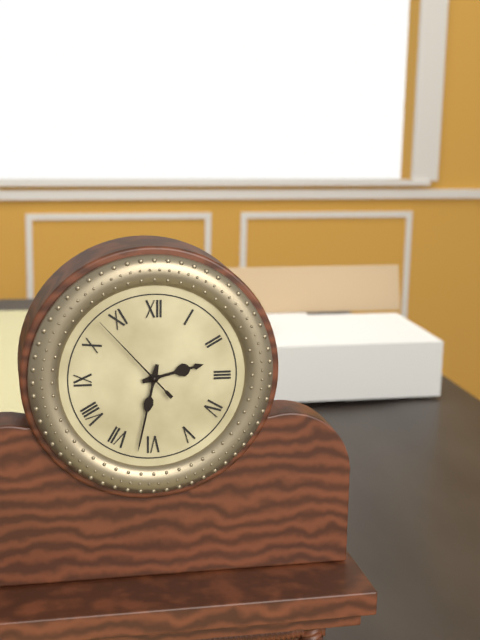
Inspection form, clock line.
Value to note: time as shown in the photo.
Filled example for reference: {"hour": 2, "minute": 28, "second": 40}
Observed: {"hour": 2, "minute": 32, "second": 53}
